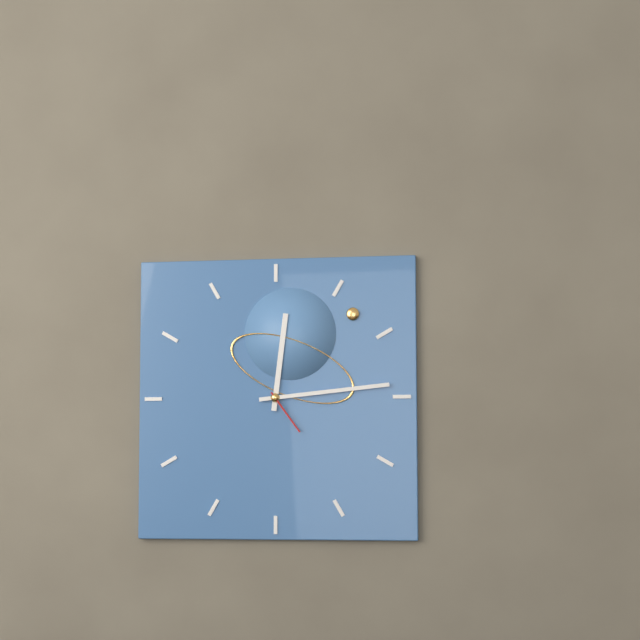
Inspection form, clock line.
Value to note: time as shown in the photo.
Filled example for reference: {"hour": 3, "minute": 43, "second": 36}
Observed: {"hour": 12, "minute": 14, "second": 24}
